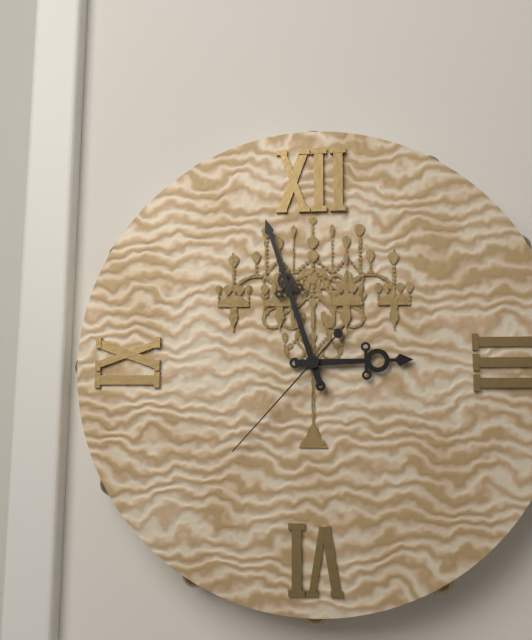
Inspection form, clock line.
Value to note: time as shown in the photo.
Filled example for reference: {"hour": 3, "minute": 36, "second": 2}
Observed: {"hour": 2, "minute": 57, "second": 37}
